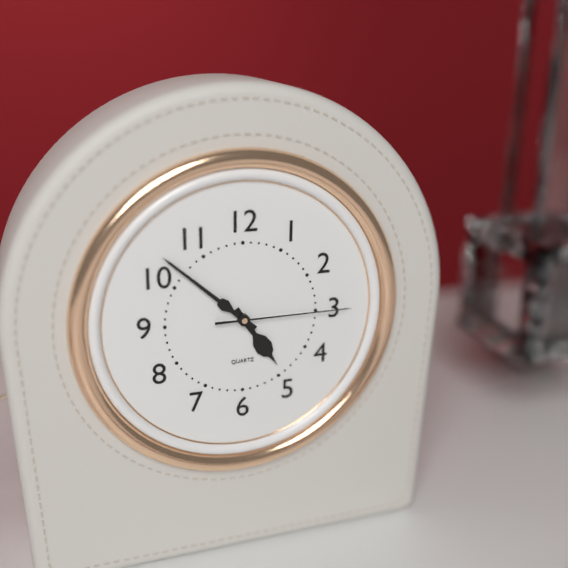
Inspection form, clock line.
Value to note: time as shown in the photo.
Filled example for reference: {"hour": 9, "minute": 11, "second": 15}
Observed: {"hour": 4, "minute": 52, "second": 15}
